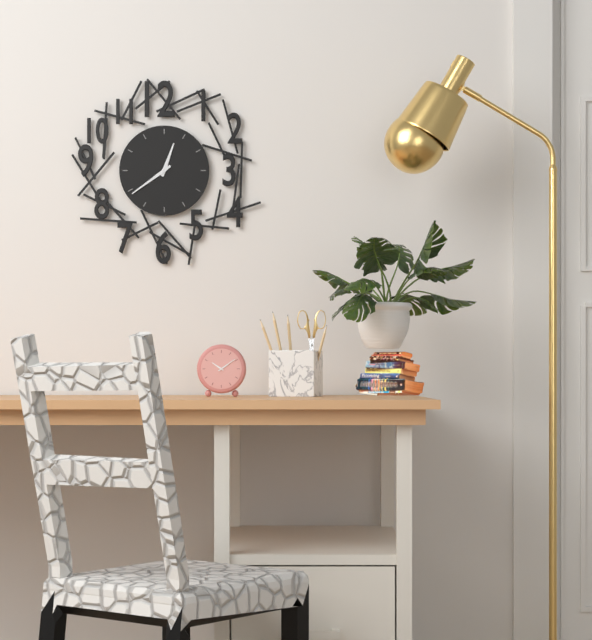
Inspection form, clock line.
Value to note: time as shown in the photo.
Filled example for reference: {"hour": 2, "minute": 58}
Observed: {"hour": 12, "minute": 39}
